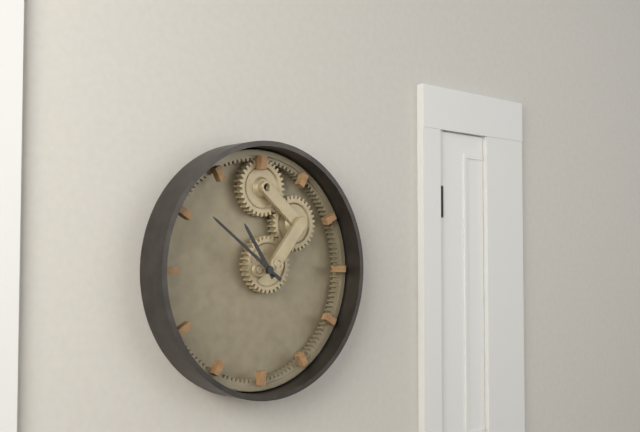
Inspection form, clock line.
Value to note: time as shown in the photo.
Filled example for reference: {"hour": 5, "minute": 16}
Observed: {"hour": 10, "minute": 51}
